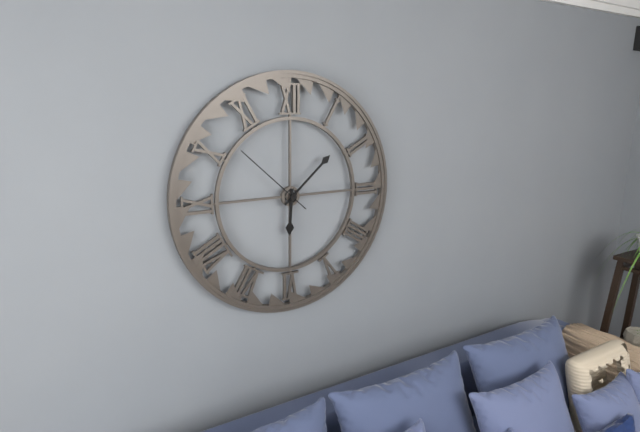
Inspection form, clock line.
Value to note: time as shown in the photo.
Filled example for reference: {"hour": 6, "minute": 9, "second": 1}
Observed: {"hour": 6, "minute": 8, "second": 52}
